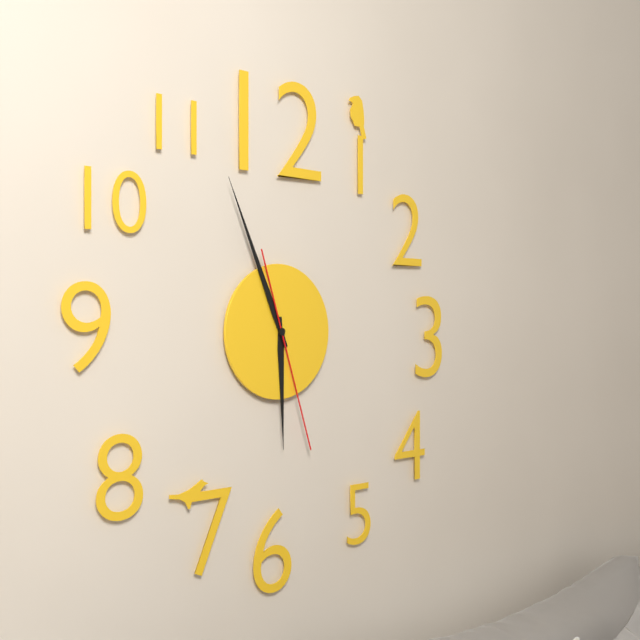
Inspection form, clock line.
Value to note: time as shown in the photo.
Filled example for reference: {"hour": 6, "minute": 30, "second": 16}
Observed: {"hour": 5, "minute": 56, "second": 27}
